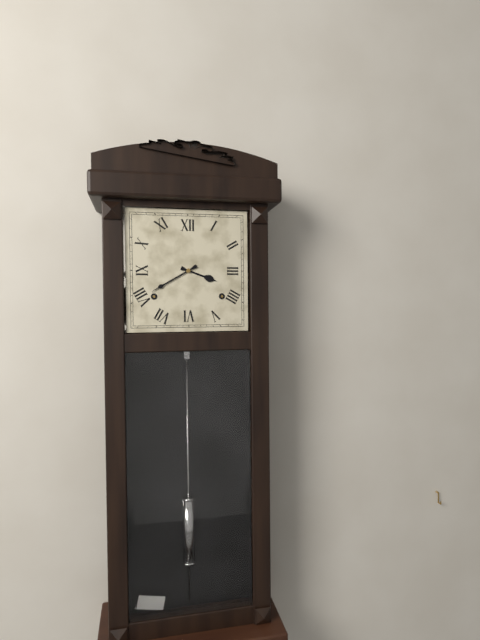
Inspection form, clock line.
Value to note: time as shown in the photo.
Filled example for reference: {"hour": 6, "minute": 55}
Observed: {"hour": 3, "minute": 40}
